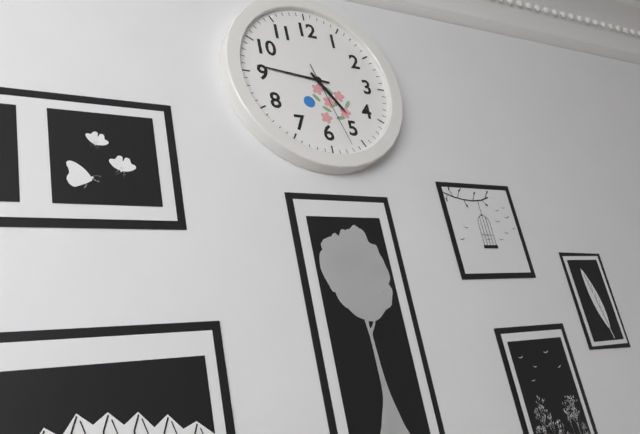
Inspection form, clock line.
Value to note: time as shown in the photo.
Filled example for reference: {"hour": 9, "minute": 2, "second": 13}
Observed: {"hour": 4, "minute": 46, "second": 27}
